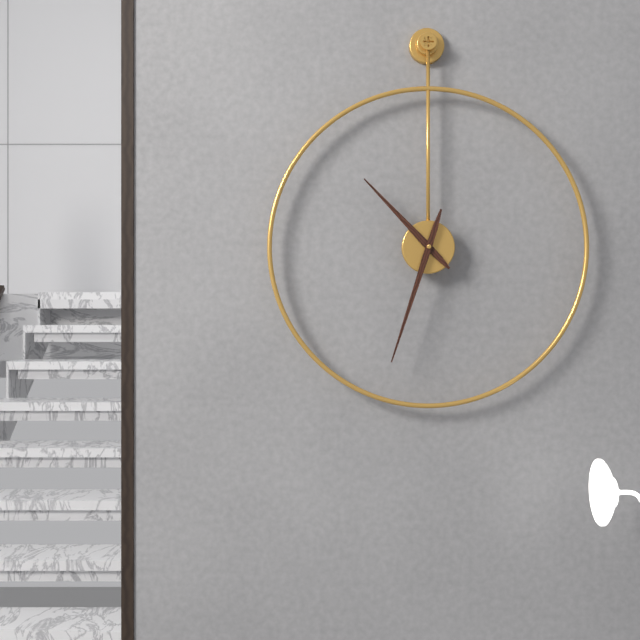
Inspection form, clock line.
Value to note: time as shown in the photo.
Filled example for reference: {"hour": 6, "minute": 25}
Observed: {"hour": 10, "minute": 33}
